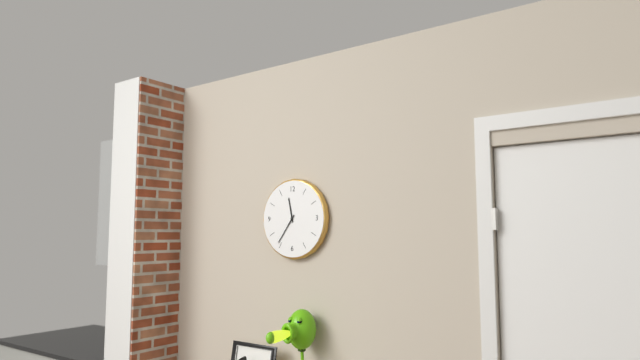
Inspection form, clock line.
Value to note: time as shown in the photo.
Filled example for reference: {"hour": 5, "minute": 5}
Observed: {"hour": 11, "minute": 36}
